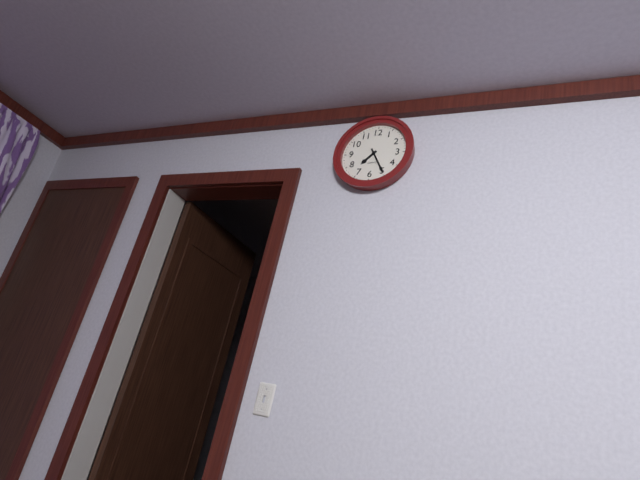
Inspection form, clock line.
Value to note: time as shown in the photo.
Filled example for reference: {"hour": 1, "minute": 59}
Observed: {"hour": 7, "minute": 25}
